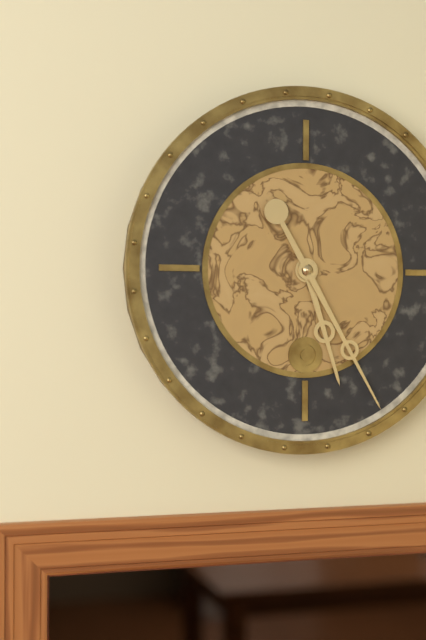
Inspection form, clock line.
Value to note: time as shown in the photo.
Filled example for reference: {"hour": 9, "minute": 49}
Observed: {"hour": 5, "minute": 25}
